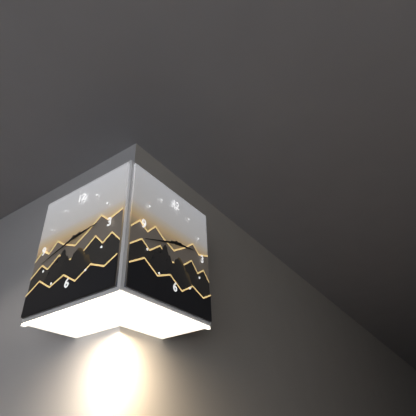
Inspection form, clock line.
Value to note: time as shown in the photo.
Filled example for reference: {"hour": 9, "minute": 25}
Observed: {"hour": 2, "minute": 42}
